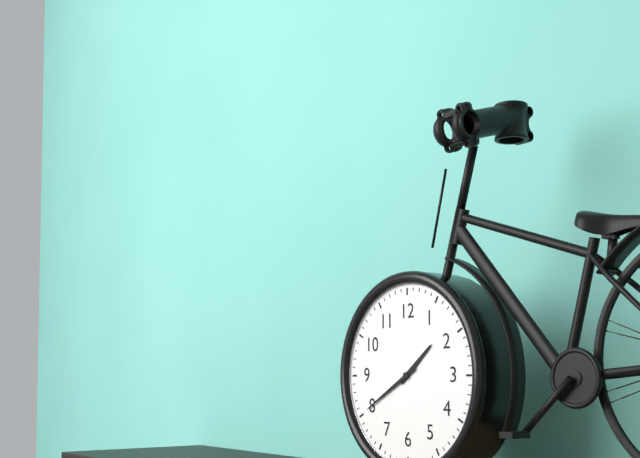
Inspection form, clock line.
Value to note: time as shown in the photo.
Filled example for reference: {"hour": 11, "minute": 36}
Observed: {"hour": 1, "minute": 40}
